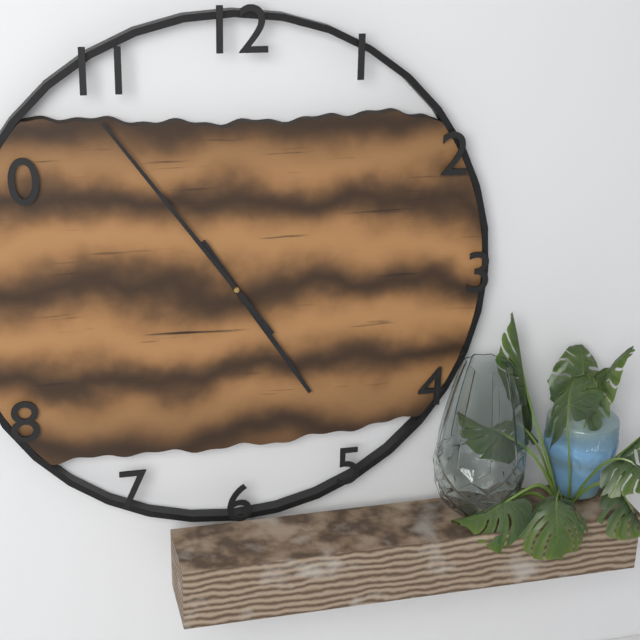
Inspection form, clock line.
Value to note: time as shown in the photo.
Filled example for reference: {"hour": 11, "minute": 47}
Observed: {"hour": 4, "minute": 54}
